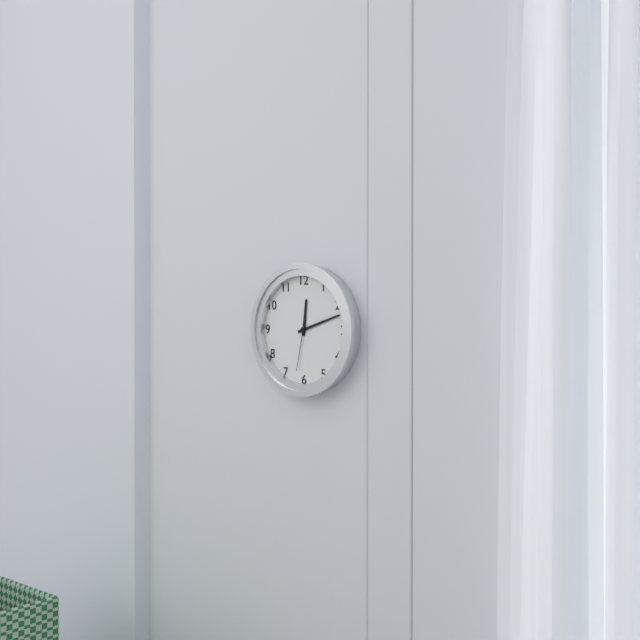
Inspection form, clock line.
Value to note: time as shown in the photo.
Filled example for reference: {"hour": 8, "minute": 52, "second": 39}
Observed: {"hour": 12, "minute": 12, "second": 32}
